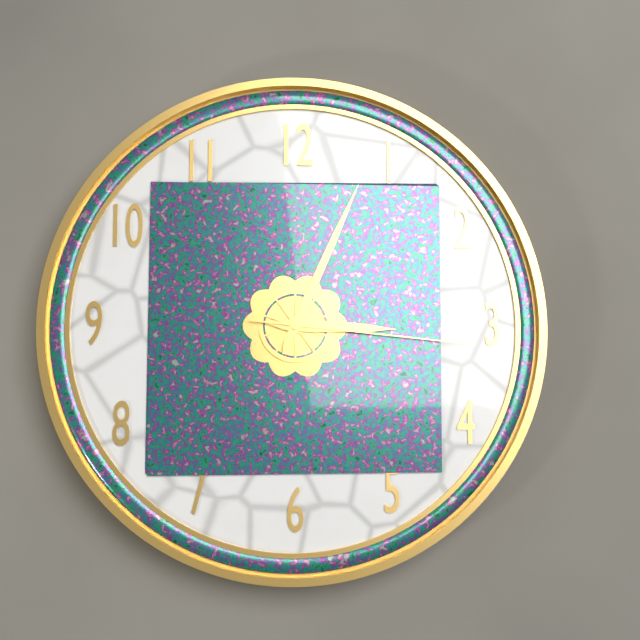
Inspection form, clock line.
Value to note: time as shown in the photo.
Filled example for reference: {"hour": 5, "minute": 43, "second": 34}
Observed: {"hour": 3, "minute": 4, "second": 16}
